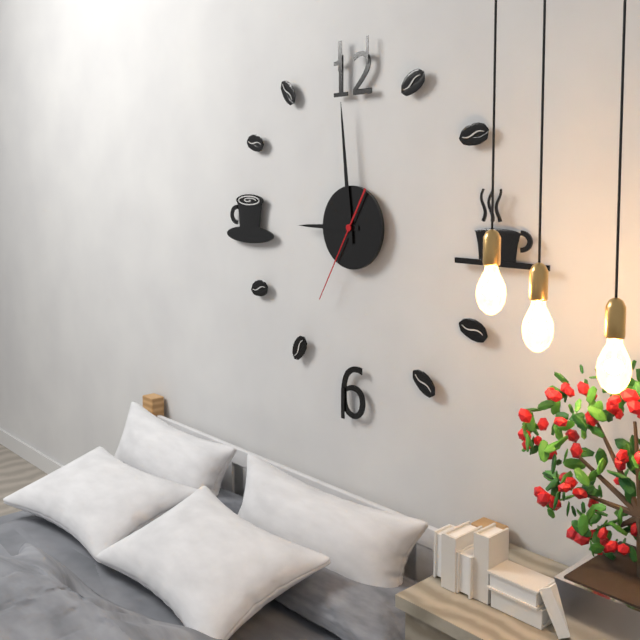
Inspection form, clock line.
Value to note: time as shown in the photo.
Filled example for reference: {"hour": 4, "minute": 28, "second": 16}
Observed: {"hour": 8, "minute": 59, "second": 35}
